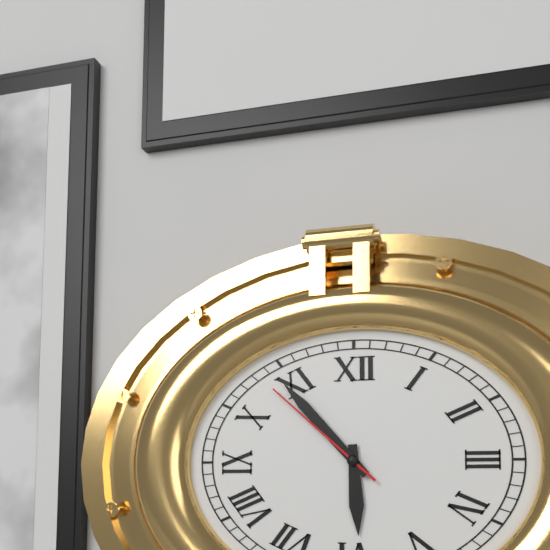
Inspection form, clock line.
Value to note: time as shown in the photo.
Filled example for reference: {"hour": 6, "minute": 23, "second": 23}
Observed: {"hour": 5, "minute": 53, "second": 52}
